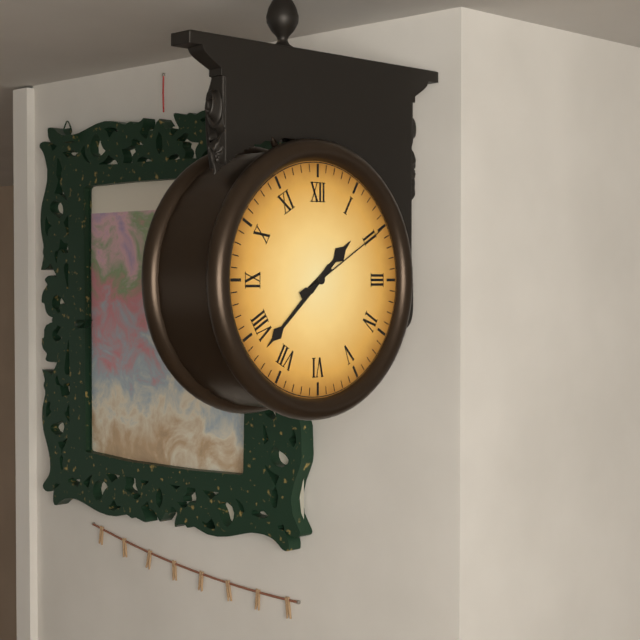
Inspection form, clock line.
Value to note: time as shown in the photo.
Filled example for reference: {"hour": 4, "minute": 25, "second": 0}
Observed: {"hour": 1, "minute": 38, "second": 10}
